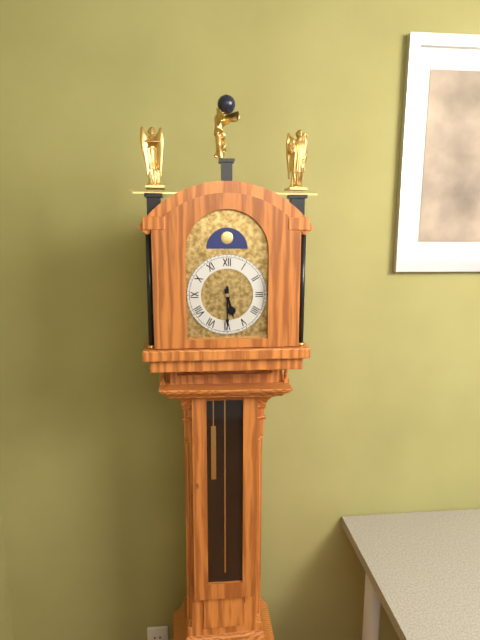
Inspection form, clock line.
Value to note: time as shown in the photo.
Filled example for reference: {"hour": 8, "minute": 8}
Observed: {"hour": 5, "minute": 30}
